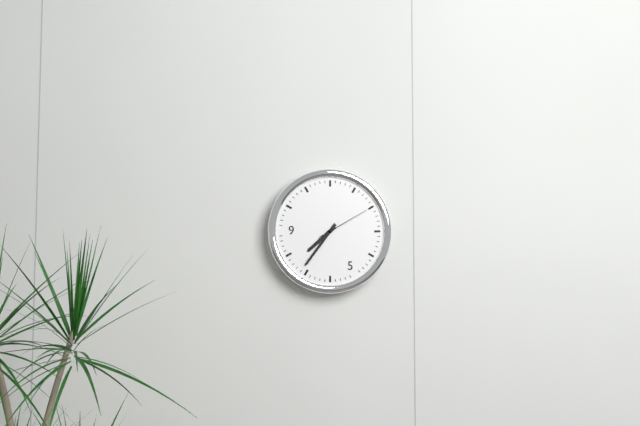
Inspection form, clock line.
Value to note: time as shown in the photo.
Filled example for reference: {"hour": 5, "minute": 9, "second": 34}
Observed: {"hour": 7, "minute": 36, "second": 10}
